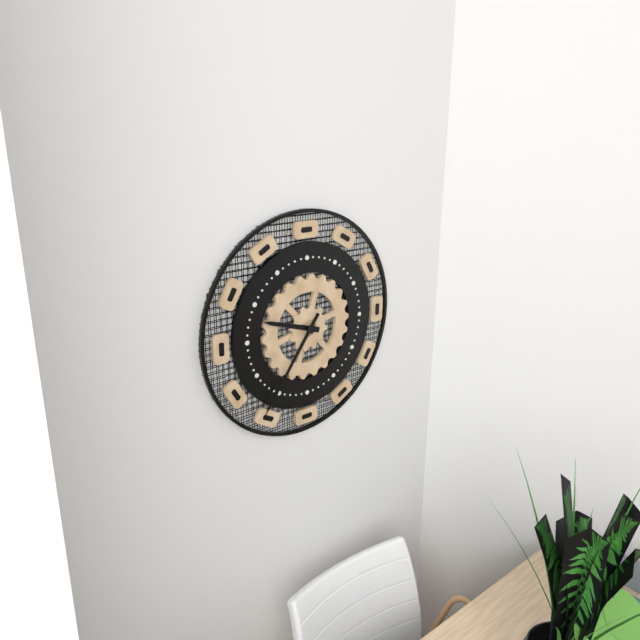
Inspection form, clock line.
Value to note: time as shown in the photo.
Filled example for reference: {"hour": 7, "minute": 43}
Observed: {"hour": 9, "minute": 36}
